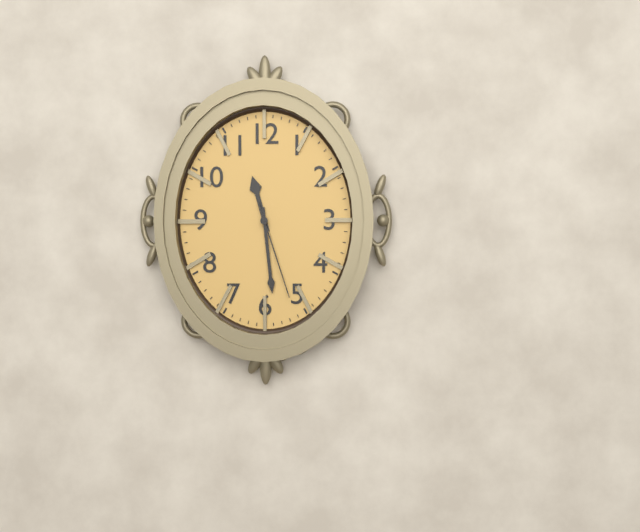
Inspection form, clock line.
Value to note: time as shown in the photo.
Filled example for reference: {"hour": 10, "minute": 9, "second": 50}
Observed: {"hour": 11, "minute": 29, "second": 27}
